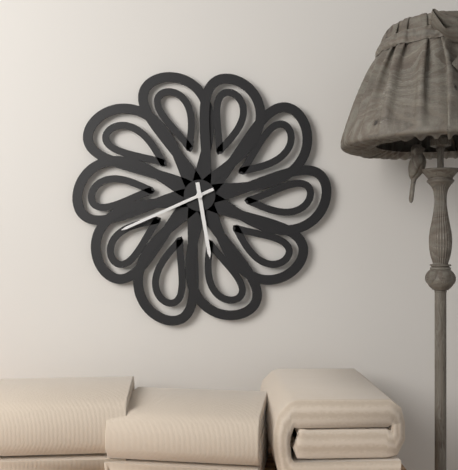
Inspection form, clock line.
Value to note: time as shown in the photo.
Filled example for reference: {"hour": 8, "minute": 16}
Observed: {"hour": 5, "minute": 41}
